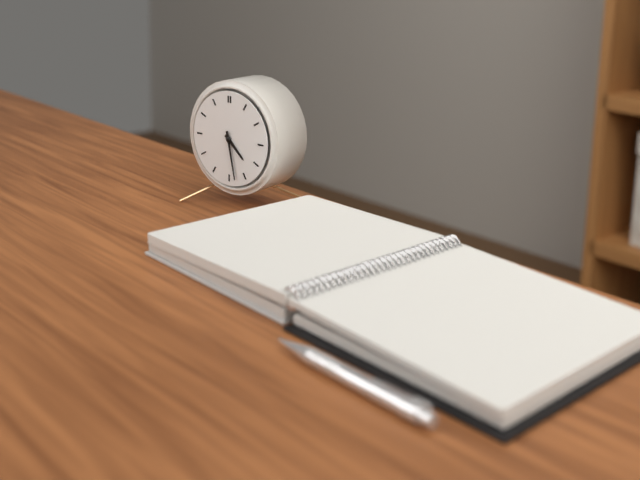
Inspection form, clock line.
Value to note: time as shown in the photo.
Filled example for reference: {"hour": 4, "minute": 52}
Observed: {"hour": 4, "minute": 28}
